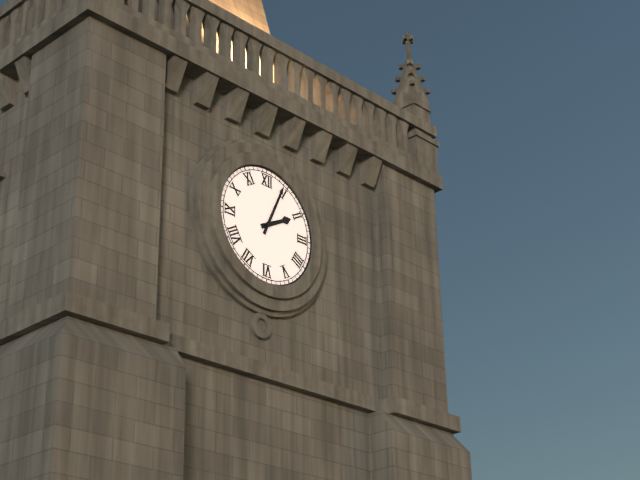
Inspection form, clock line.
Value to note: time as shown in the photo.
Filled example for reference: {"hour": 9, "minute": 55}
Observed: {"hour": 2, "minute": 4}
